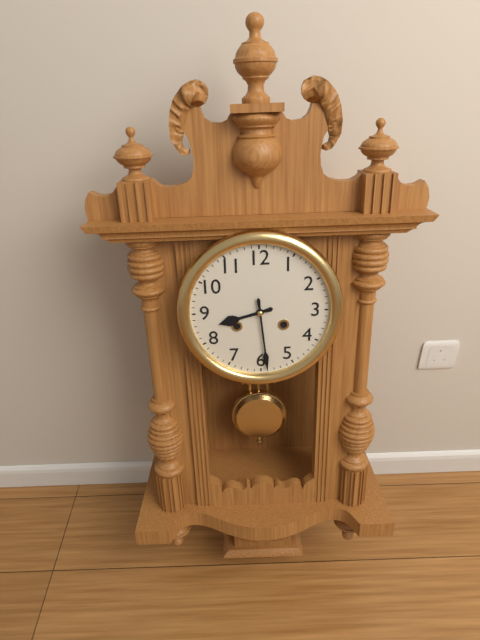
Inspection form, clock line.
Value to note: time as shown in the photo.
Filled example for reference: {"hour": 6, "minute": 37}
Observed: {"hour": 8, "minute": 29}
